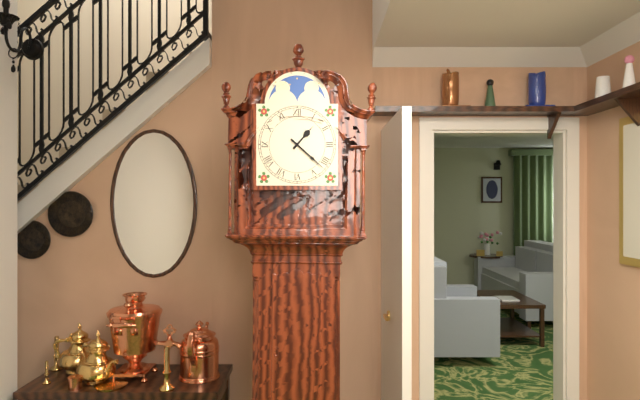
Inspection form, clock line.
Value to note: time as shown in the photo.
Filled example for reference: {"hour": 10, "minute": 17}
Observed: {"hour": 1, "minute": 22}
